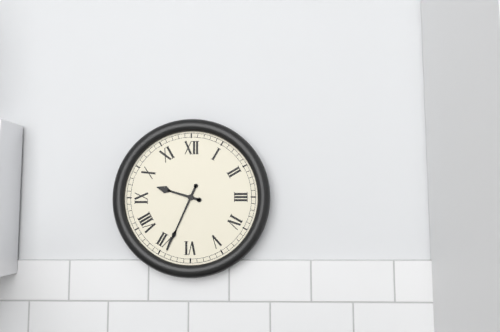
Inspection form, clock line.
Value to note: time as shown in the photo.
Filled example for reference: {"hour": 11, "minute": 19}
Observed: {"hour": 9, "minute": 34}
